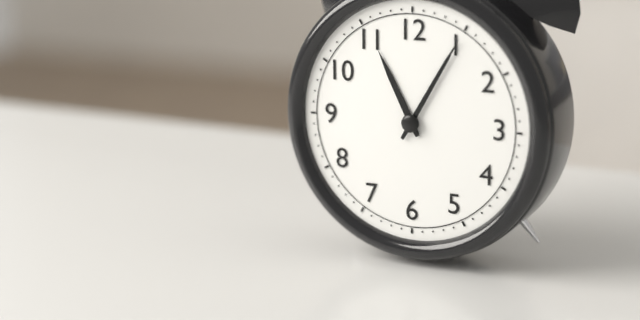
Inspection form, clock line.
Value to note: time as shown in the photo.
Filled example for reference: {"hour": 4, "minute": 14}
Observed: {"hour": 11, "minute": 5}
